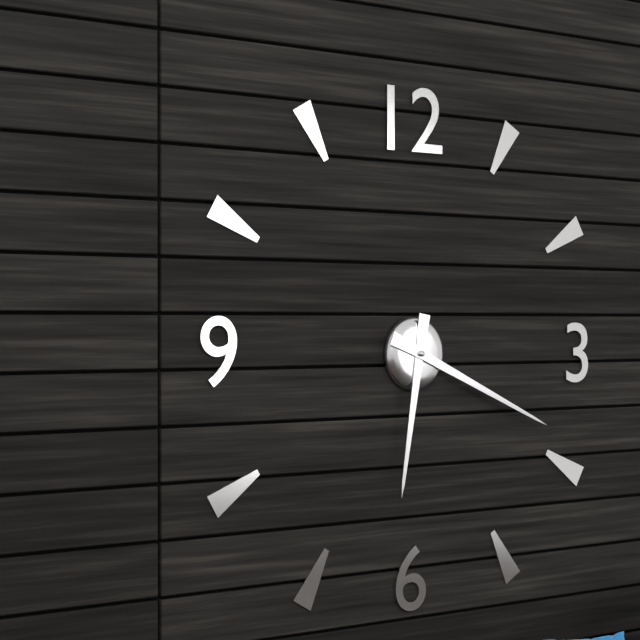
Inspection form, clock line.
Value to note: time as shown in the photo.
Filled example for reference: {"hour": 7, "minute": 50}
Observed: {"hour": 6, "minute": 19}
